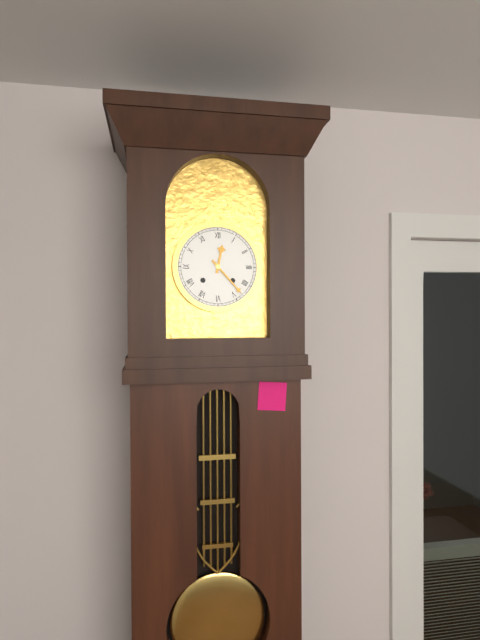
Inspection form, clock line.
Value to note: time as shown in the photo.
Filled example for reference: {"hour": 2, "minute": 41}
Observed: {"hour": 12, "minute": 23}
